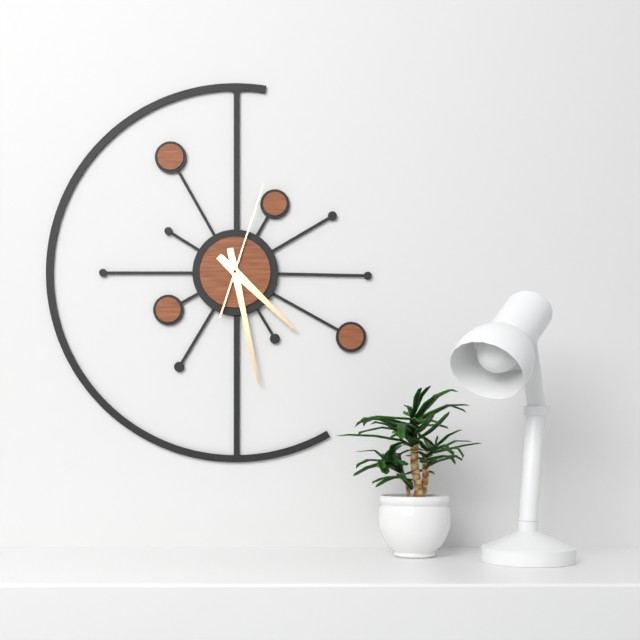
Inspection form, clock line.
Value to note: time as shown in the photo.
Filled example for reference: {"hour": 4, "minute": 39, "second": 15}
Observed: {"hour": 4, "minute": 28, "second": 3}
